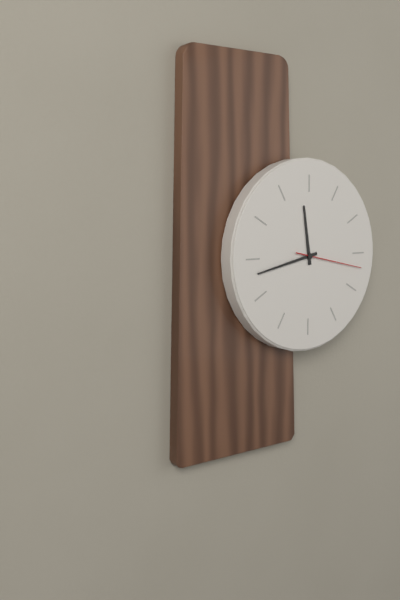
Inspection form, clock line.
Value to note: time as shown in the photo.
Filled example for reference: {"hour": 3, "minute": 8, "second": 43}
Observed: {"hour": 11, "minute": 43, "second": 17}
